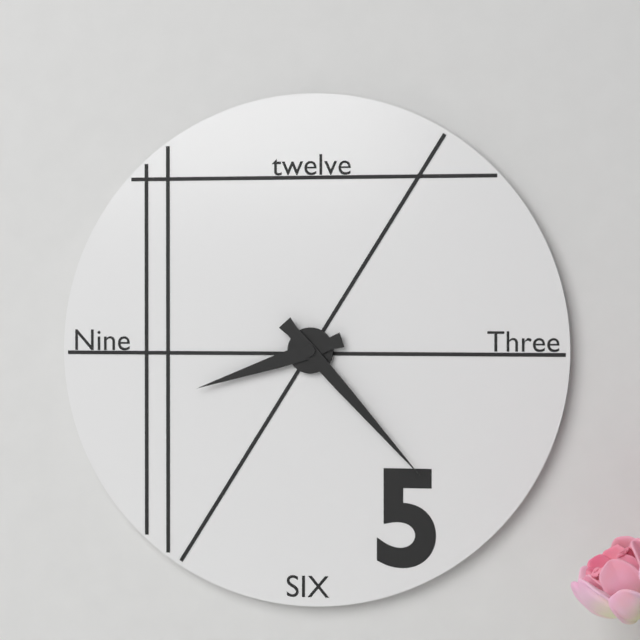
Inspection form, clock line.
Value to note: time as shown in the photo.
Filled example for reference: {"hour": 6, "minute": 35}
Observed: {"hour": 8, "minute": 23}
